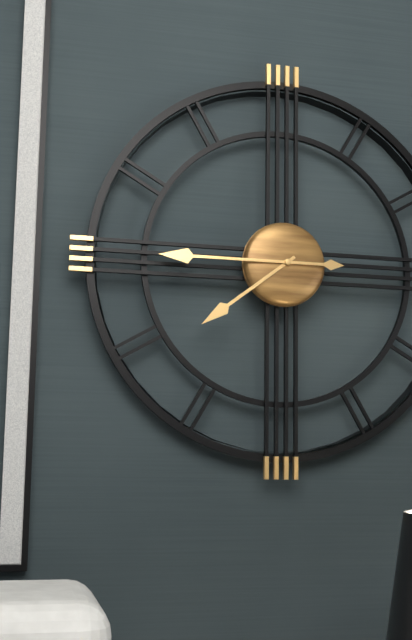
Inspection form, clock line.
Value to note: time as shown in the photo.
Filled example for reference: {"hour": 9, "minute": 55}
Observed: {"hour": 7, "minute": 45}
